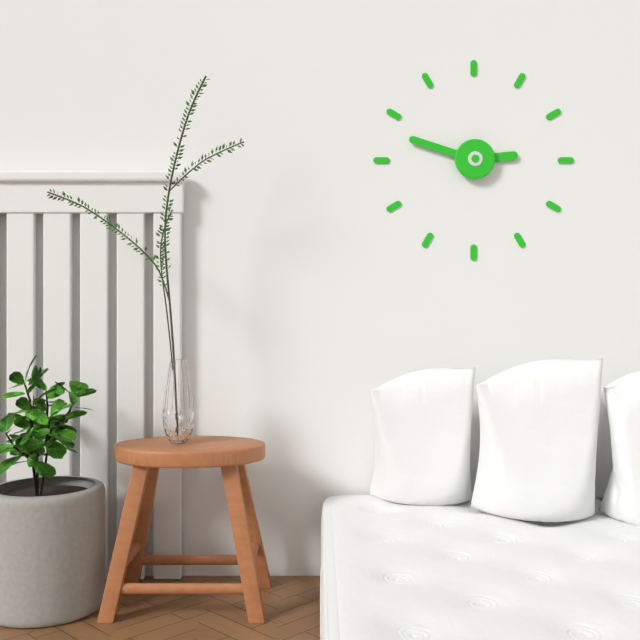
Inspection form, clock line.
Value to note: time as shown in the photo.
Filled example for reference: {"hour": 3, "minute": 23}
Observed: {"hour": 2, "minute": 48}
